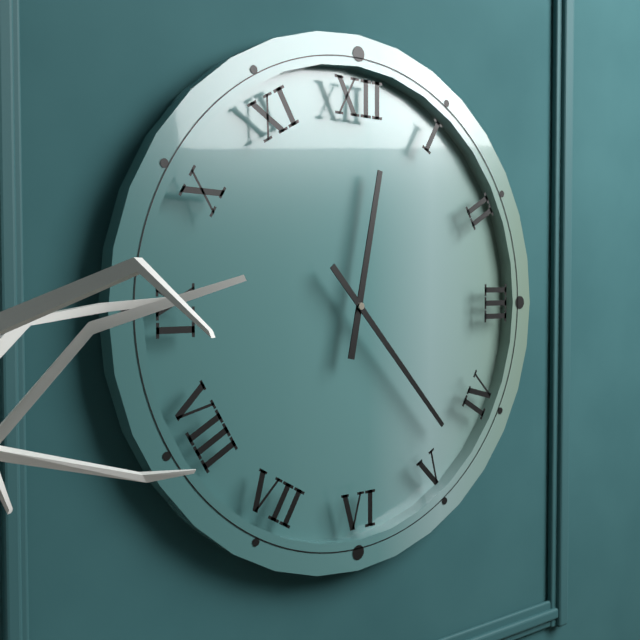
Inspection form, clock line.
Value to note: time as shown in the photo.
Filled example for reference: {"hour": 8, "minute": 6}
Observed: {"hour": 12, "minute": 23}
